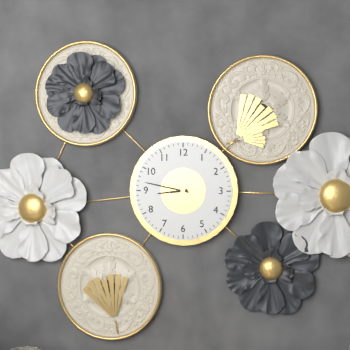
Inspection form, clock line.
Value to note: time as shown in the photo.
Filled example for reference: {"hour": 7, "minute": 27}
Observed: {"hour": 8, "minute": 47}
